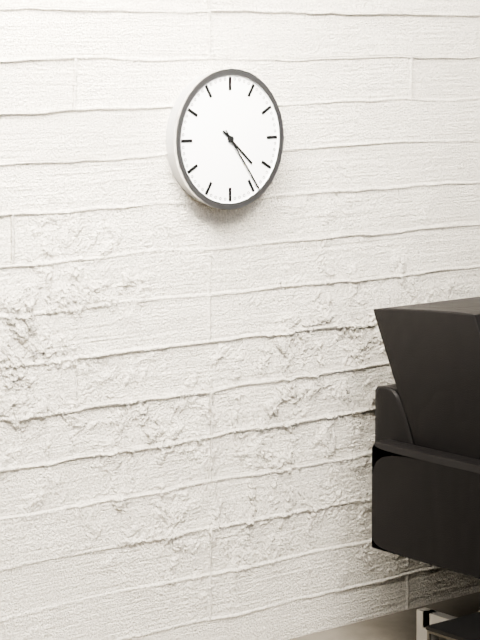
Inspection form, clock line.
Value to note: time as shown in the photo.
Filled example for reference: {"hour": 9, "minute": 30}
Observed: {"hour": 4, "minute": 24}
